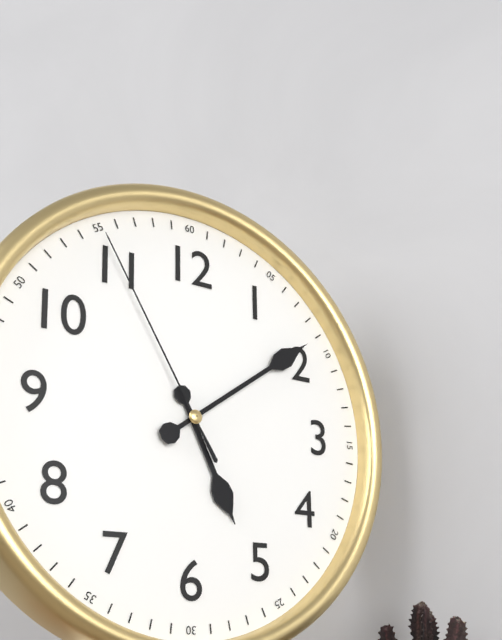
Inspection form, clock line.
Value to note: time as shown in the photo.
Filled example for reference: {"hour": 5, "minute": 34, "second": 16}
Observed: {"hour": 5, "minute": 9, "second": 55}
